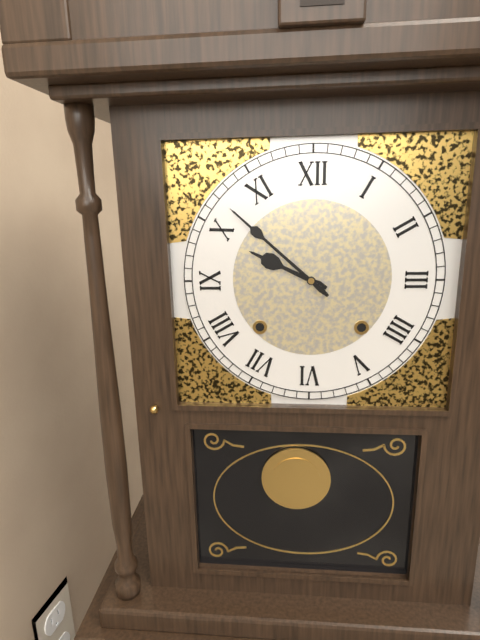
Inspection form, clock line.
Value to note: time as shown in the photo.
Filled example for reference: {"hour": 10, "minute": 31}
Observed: {"hour": 9, "minute": 52}
